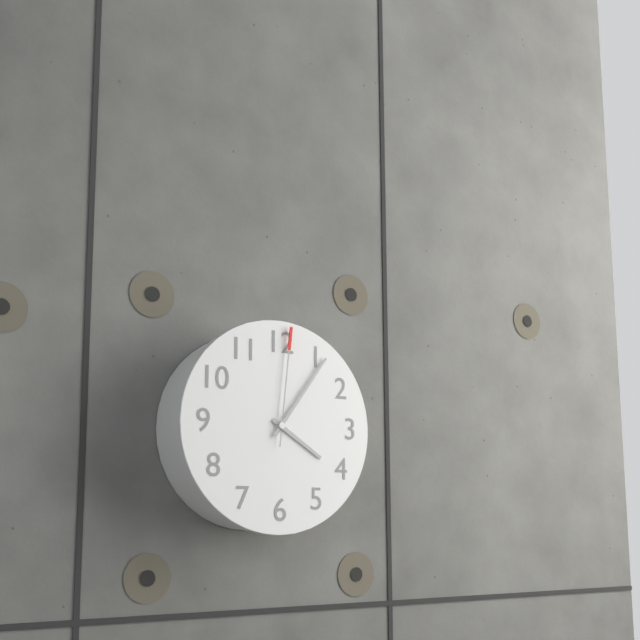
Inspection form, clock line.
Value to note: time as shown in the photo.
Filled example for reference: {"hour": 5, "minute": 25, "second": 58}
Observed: {"hour": 4, "minute": 6, "second": 1}
